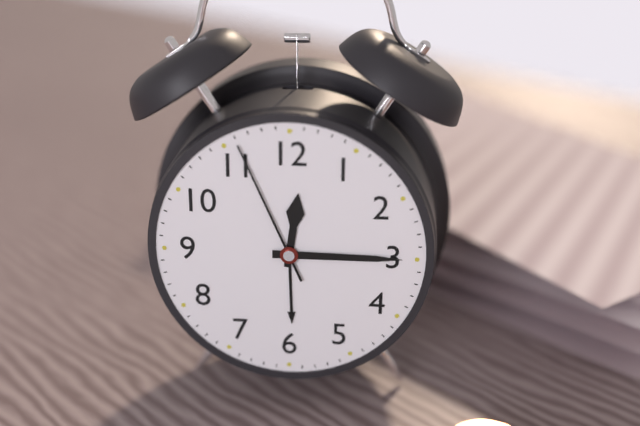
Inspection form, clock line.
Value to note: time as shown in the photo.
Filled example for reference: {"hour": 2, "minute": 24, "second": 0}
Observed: {"hour": 12, "minute": 15, "second": 56}
